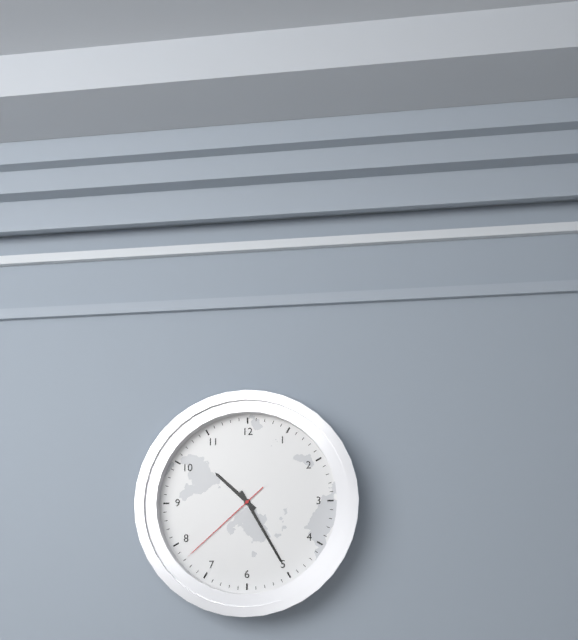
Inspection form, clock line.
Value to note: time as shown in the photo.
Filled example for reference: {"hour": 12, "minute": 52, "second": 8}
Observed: {"hour": 10, "minute": 25, "second": 38}
